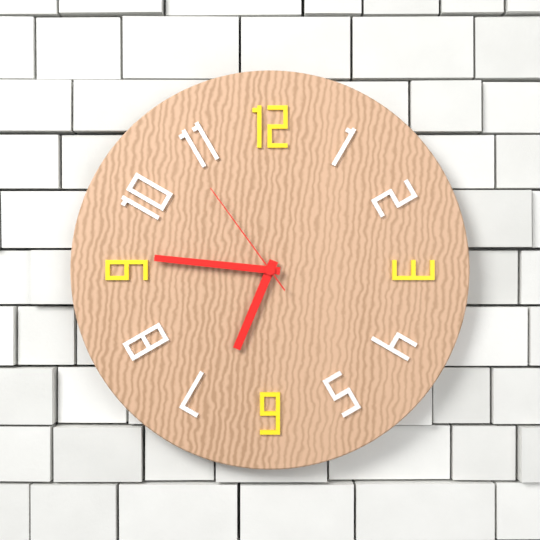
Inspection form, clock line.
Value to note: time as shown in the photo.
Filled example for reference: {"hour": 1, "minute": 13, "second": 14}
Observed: {"hour": 6, "minute": 46, "second": 54}
